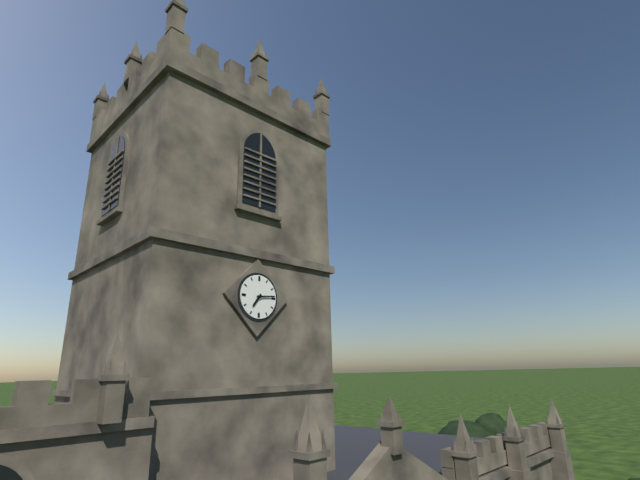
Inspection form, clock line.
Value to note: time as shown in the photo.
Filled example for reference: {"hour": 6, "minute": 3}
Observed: {"hour": 7, "minute": 14}
